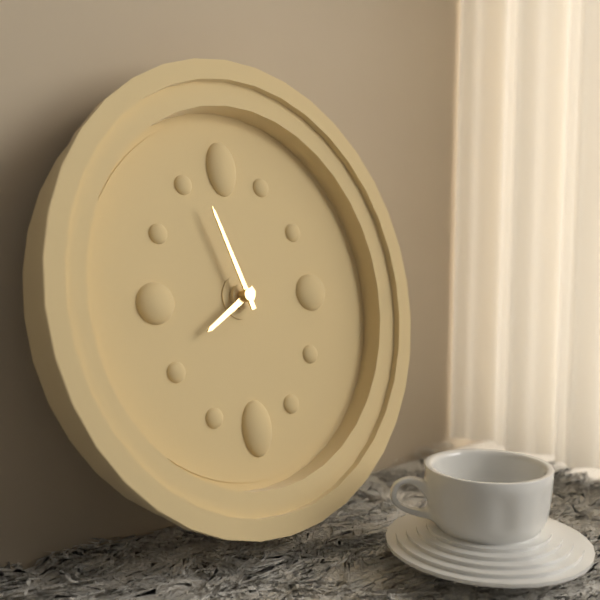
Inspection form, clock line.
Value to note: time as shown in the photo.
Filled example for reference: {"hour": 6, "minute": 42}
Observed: {"hour": 7, "minute": 57}
